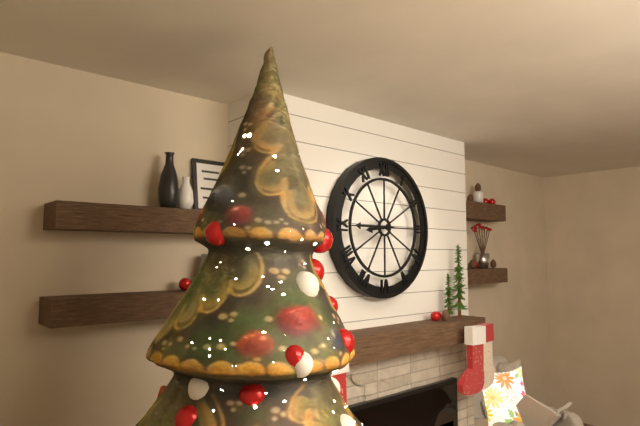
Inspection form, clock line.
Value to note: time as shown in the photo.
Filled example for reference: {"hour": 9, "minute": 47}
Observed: {"hour": 8, "minute": 45}
